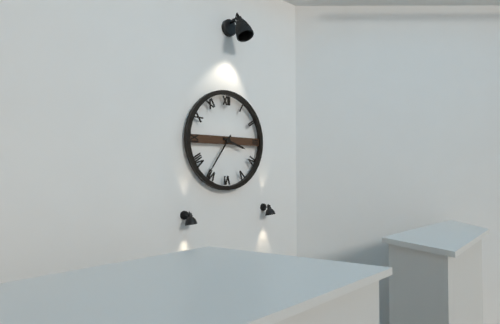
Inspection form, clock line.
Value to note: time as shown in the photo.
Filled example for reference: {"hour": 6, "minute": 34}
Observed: {"hour": 3, "minute": 36}
